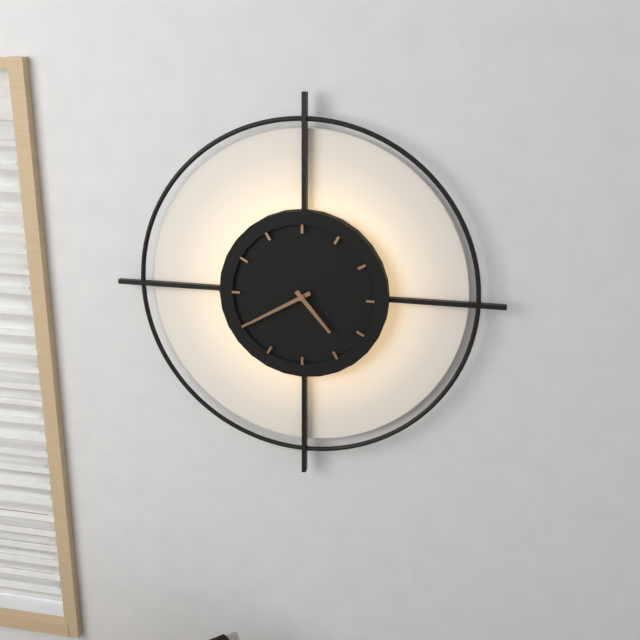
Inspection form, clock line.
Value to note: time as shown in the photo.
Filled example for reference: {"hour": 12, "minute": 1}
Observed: {"hour": 4, "minute": 40}
